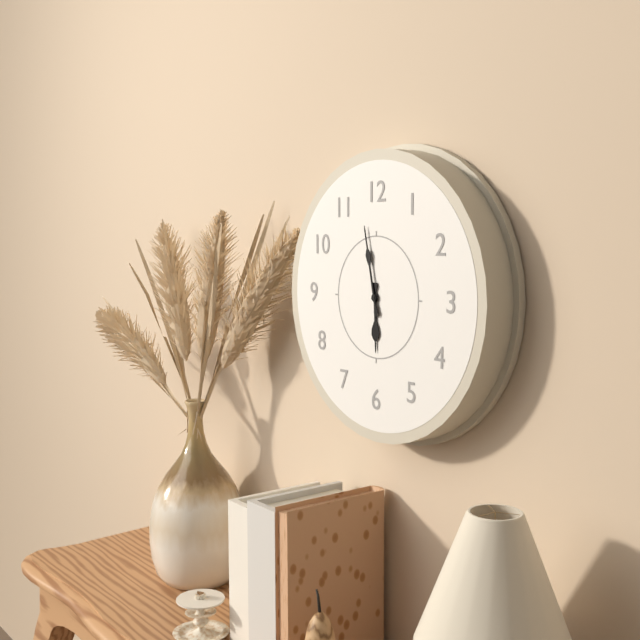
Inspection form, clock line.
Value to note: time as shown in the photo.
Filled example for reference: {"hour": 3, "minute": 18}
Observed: {"hour": 5, "minute": 58}
